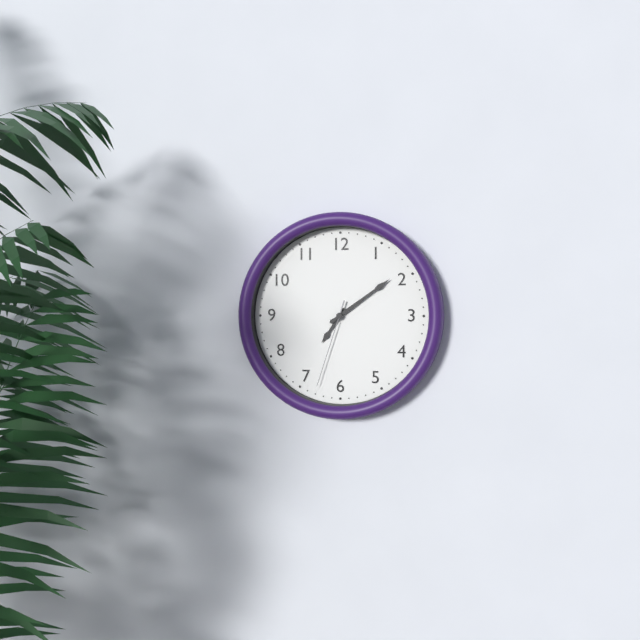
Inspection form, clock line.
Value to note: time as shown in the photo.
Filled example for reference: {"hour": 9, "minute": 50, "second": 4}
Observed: {"hour": 7, "minute": 9, "second": 33}
